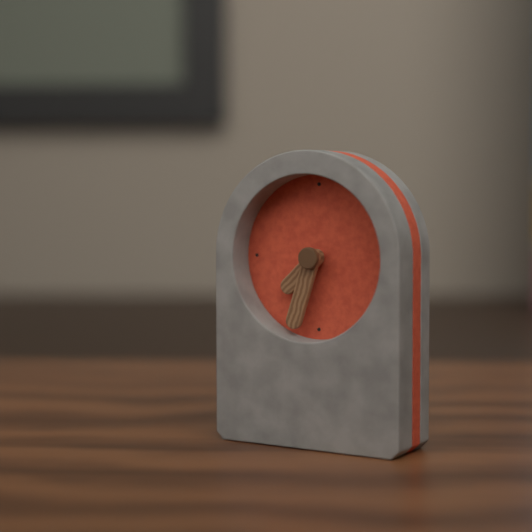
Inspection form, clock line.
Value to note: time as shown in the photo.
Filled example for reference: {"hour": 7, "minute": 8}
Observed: {"hour": 7, "minute": 33}
